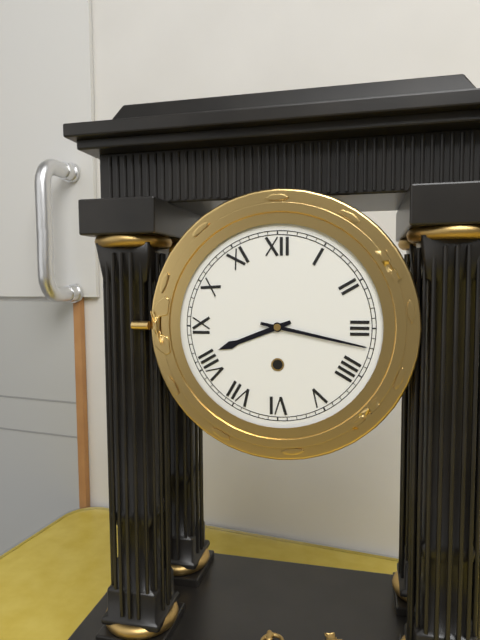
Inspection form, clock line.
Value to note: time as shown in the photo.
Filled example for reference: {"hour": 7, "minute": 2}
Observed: {"hour": 8, "minute": 17}
